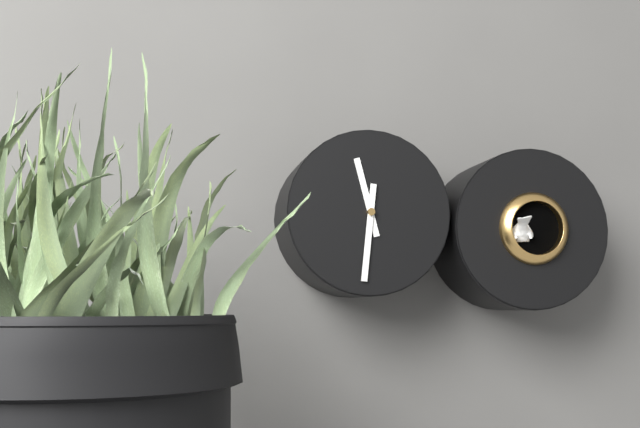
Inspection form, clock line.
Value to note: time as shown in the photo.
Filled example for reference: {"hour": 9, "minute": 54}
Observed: {"hour": 11, "minute": 31}
